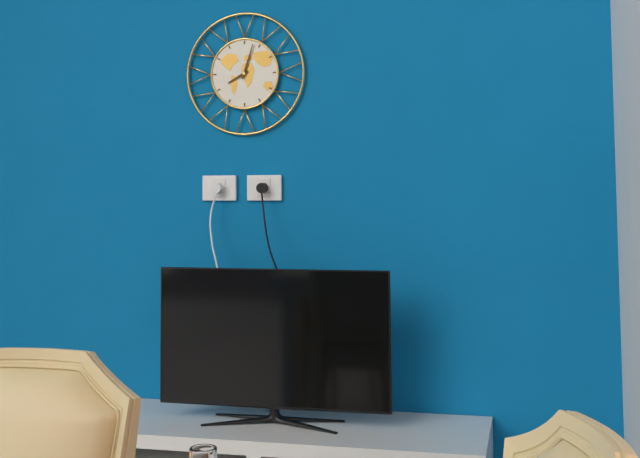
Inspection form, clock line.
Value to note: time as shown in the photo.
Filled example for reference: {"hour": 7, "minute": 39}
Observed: {"hour": 8, "minute": 3}
